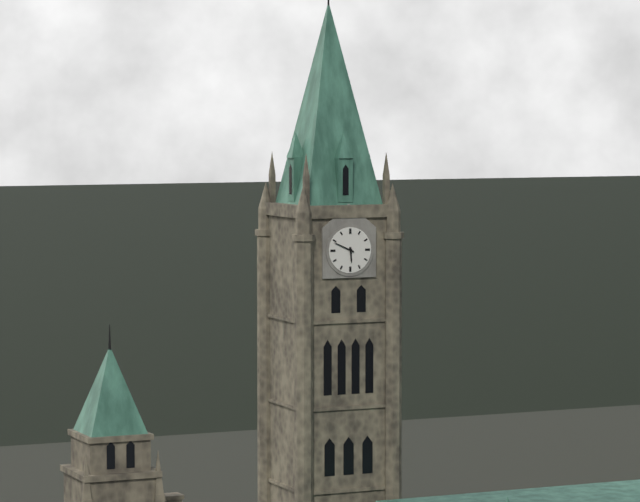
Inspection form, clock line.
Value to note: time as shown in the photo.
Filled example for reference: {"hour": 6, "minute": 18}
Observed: {"hour": 5, "minute": 49}
